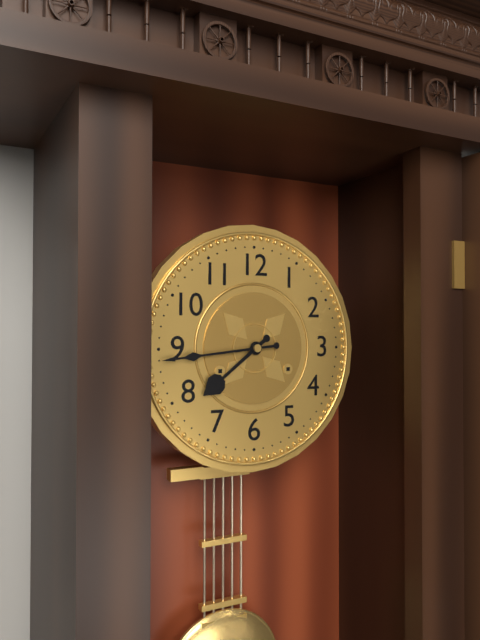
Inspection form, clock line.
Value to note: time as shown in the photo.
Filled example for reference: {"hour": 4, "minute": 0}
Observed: {"hour": 7, "minute": 44}
